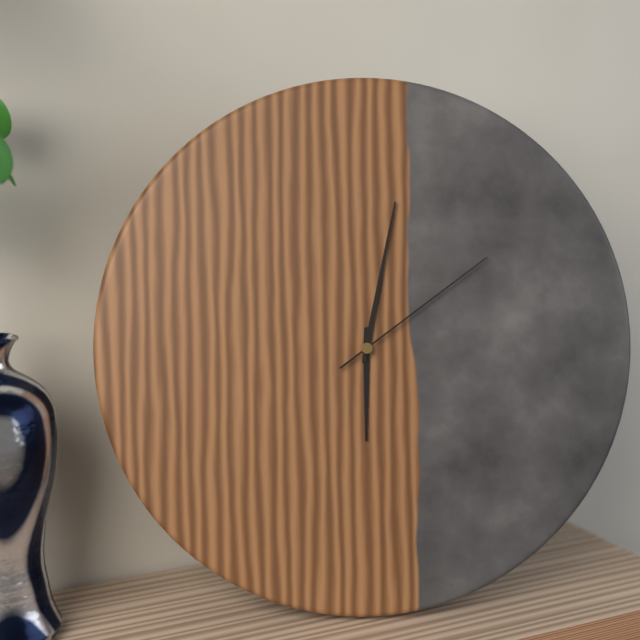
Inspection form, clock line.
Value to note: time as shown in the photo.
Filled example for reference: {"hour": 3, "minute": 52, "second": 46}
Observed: {"hour": 6, "minute": 2, "second": 9}
